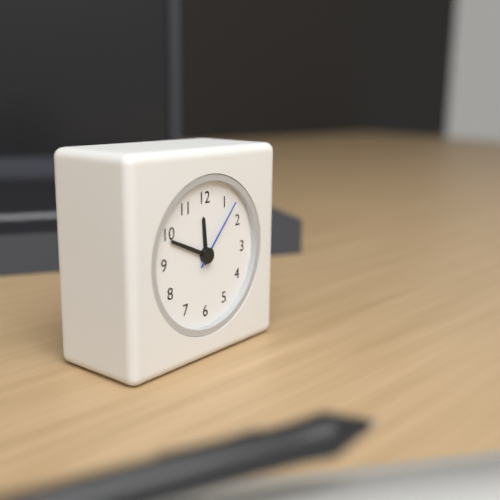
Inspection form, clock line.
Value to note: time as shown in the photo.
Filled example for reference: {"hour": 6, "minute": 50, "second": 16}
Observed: {"hour": 11, "minute": 49, "second": 7}
